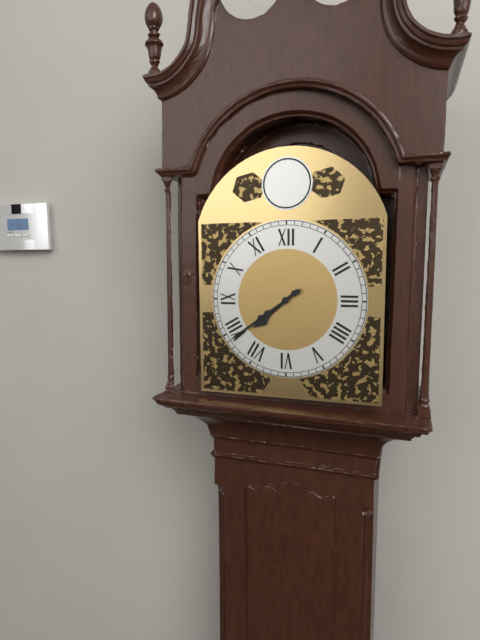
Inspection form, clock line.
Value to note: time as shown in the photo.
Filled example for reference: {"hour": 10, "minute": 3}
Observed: {"hour": 7, "minute": 39}
